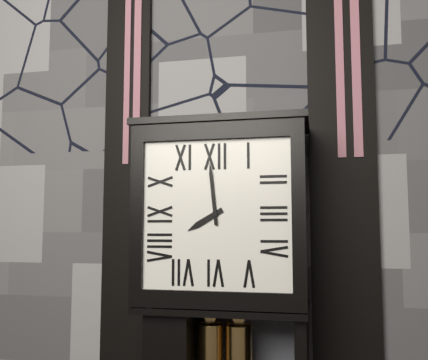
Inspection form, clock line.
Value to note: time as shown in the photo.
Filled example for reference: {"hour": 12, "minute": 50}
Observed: {"hour": 7, "minute": 59}
